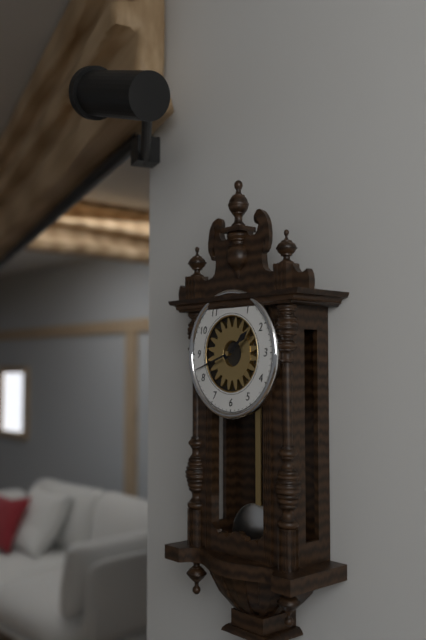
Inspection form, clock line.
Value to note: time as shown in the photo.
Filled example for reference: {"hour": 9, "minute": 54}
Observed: {"hour": 1, "minute": 42}
